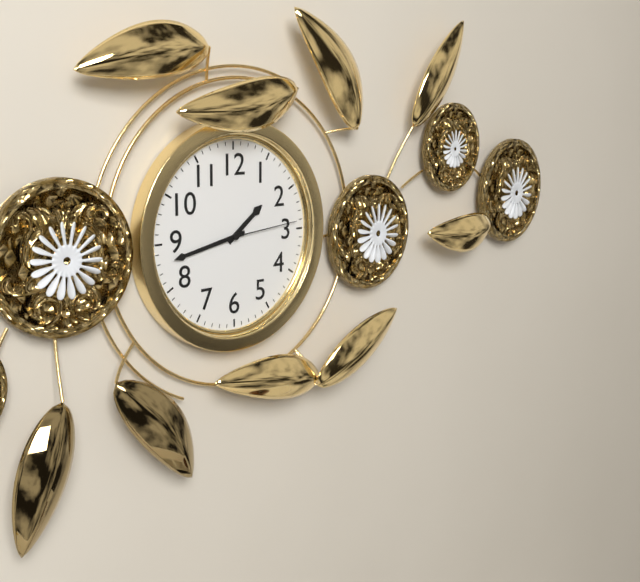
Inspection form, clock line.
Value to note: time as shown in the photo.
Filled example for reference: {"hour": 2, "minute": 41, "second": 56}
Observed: {"hour": 1, "minute": 43, "second": 14}
